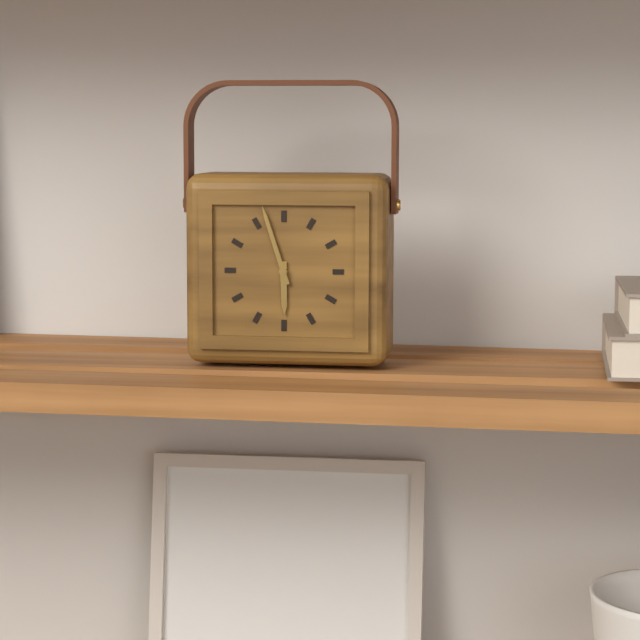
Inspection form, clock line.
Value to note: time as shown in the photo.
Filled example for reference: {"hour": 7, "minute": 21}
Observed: {"hour": 5, "minute": 57}
